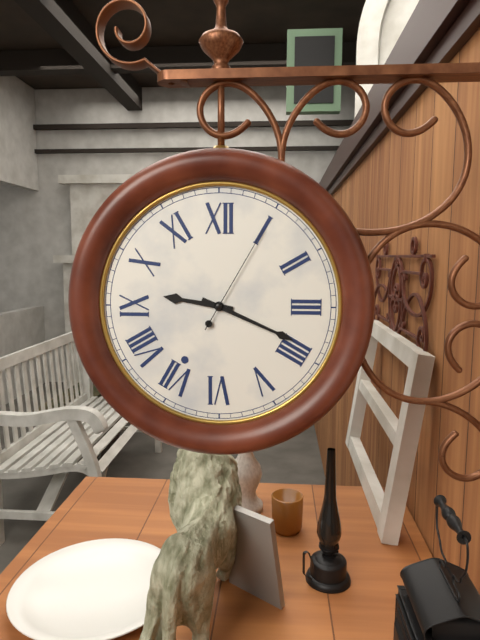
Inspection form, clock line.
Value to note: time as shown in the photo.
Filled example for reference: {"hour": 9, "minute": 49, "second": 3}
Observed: {"hour": 9, "minute": 19, "second": 5}
